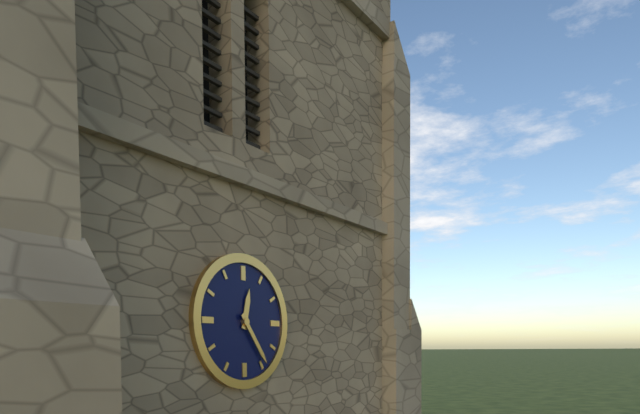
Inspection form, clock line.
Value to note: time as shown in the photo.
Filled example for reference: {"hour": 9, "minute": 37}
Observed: {"hour": 12, "minute": 24}
